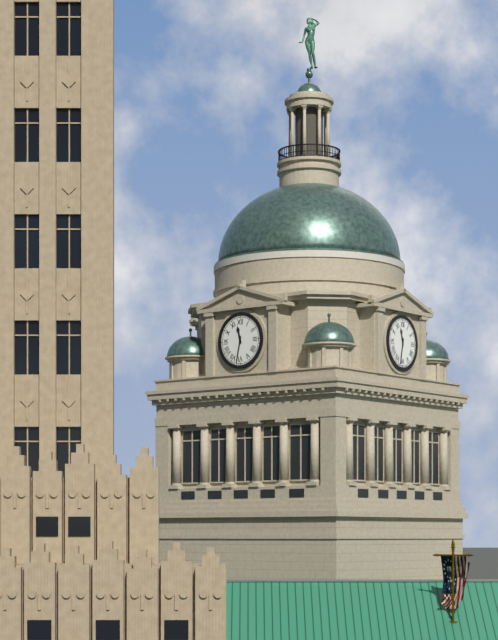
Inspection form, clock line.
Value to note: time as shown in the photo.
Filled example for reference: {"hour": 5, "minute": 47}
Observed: {"hour": 11, "minute": 32}
